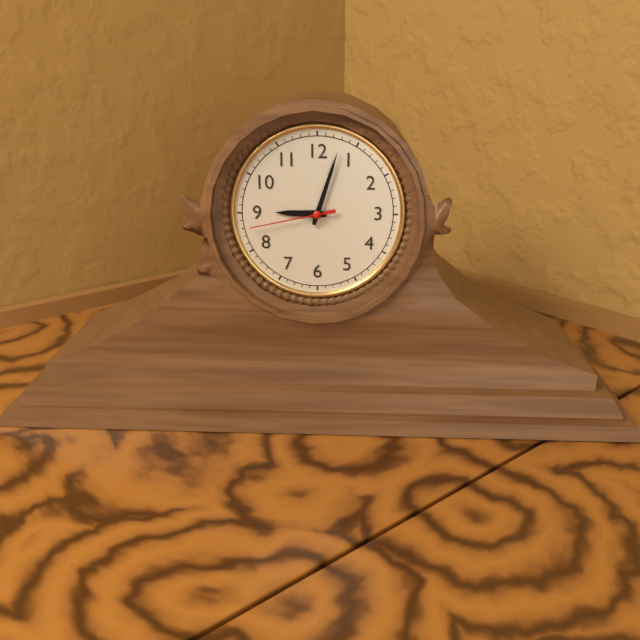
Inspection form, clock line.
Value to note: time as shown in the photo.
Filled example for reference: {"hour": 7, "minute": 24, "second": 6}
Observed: {"hour": 9, "minute": 3, "second": 43}
